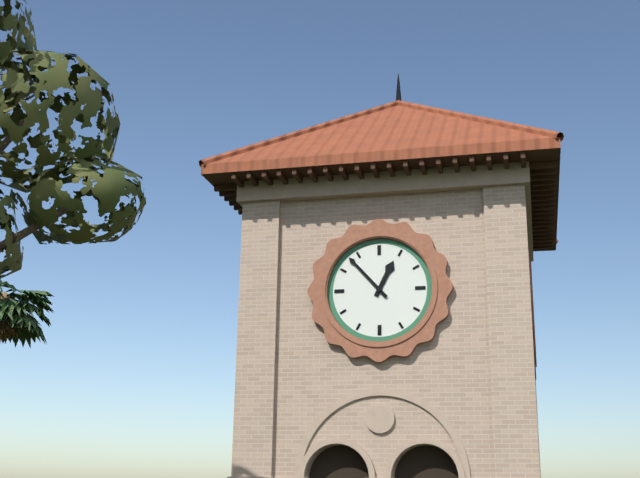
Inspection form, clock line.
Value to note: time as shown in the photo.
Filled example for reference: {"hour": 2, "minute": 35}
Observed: {"hour": 12, "minute": 53}
